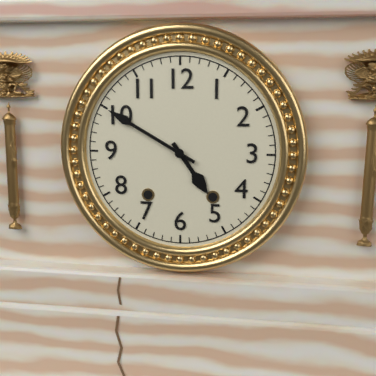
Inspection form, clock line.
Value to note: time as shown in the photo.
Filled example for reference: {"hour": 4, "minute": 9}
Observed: {"hour": 4, "minute": 50}
